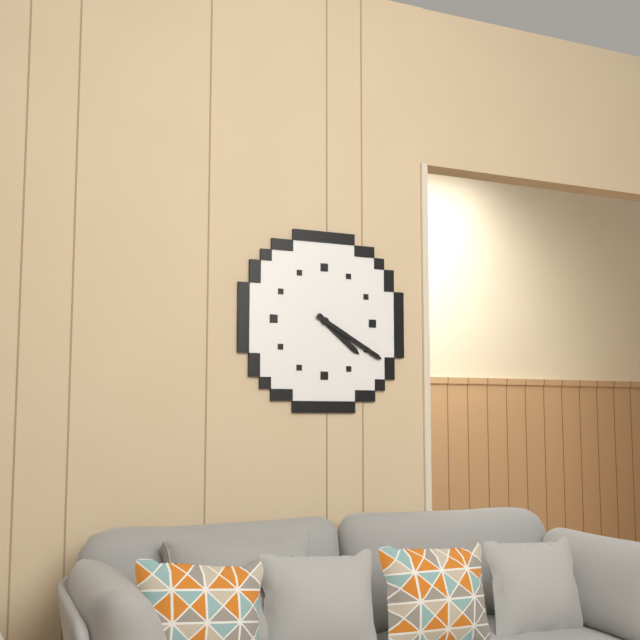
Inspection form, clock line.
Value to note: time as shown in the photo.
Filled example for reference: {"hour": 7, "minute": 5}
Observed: {"hour": 4, "minute": 20}
